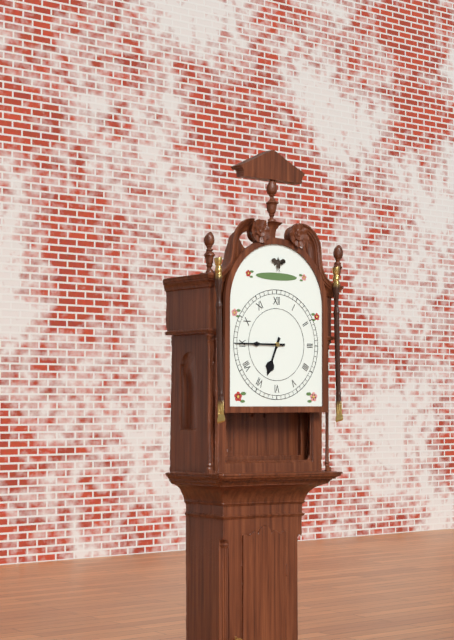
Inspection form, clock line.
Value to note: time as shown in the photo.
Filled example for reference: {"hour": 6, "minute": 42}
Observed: {"hour": 6, "minute": 45}
